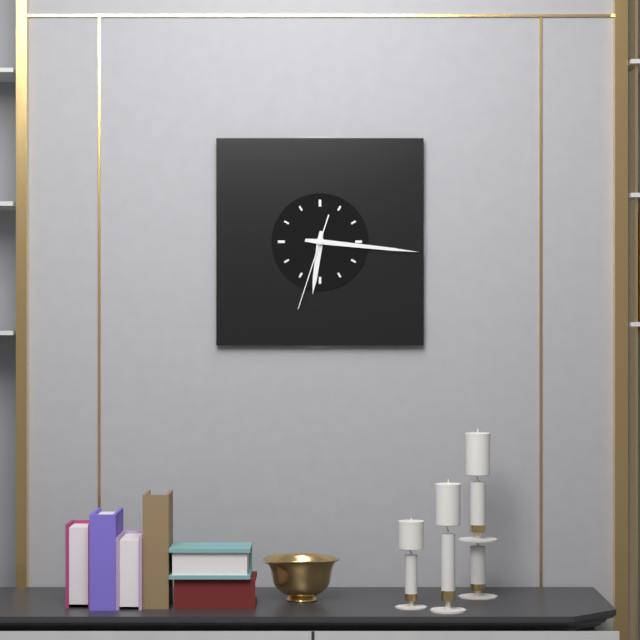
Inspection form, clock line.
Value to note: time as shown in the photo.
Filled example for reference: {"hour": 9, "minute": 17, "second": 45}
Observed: {"hour": 6, "minute": 16, "second": 33}
